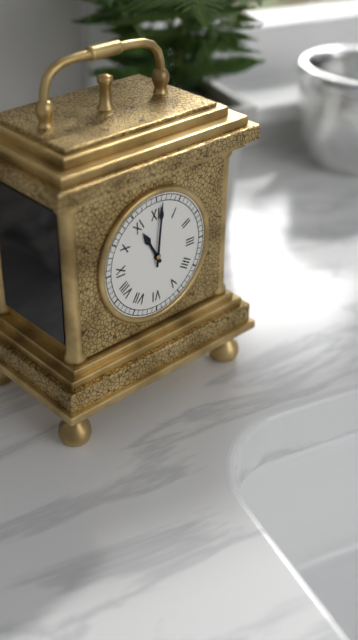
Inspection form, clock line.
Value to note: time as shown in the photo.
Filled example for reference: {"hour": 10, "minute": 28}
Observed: {"hour": 11, "minute": 1}
